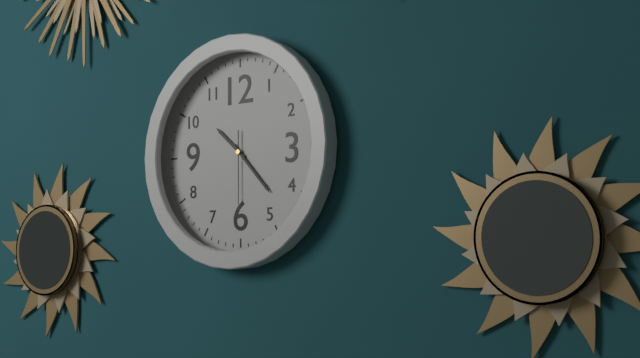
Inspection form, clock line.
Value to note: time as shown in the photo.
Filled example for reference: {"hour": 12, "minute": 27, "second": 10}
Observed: {"hour": 10, "minute": 23, "second": 30}
